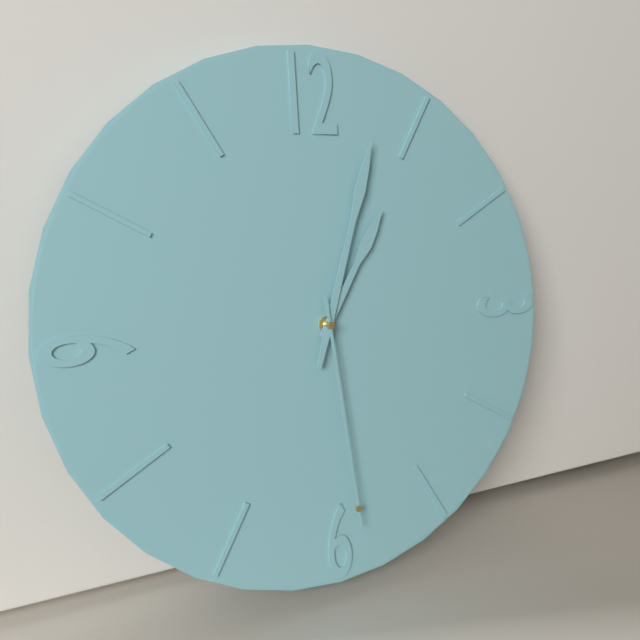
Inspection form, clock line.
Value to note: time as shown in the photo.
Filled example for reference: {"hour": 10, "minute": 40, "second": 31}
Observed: {"hour": 1, "minute": 3, "second": 29}
